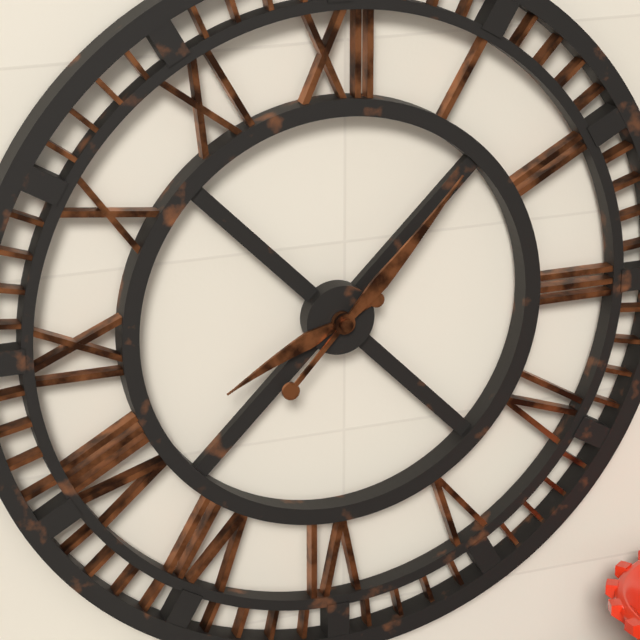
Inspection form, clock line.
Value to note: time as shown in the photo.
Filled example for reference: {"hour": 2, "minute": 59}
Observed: {"hour": 8, "minute": 7}
